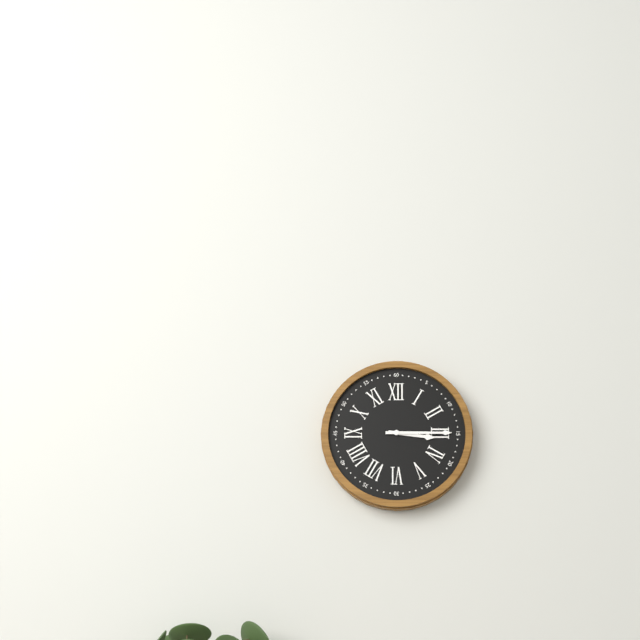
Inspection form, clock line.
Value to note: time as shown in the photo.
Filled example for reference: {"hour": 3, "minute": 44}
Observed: {"hour": 3, "minute": 15}
